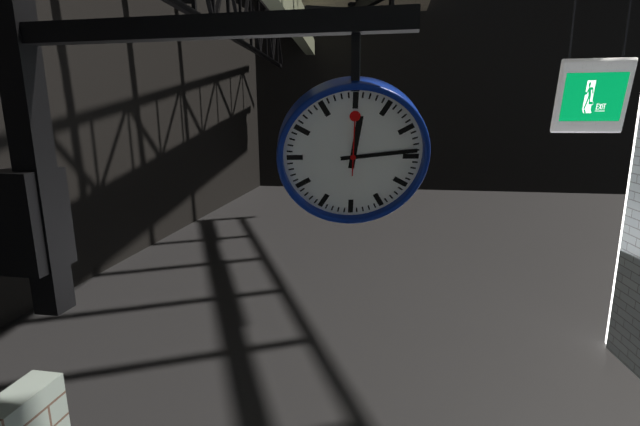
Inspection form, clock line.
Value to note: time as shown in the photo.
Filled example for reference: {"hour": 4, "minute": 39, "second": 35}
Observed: {"hour": 12, "minute": 14, "second": 0}
